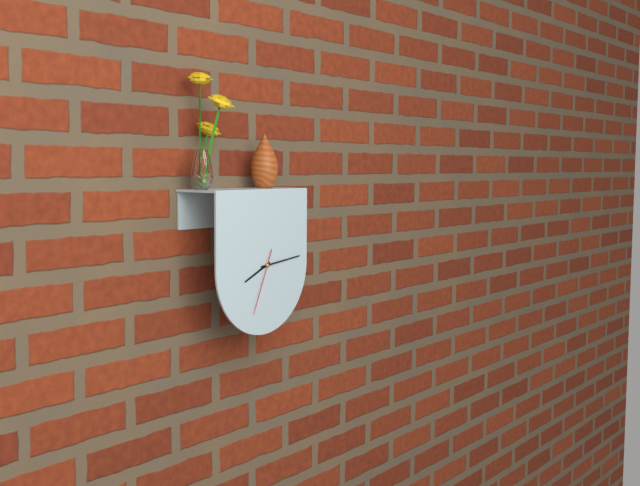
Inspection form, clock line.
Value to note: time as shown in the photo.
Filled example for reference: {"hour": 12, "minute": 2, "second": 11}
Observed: {"hour": 8, "minute": 14, "second": 34}
